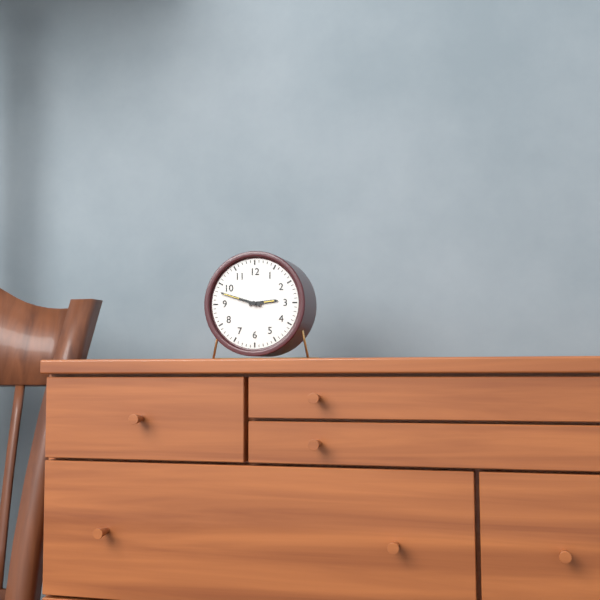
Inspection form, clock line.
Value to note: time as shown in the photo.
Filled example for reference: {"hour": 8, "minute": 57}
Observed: {"hour": 2, "minute": 48}
